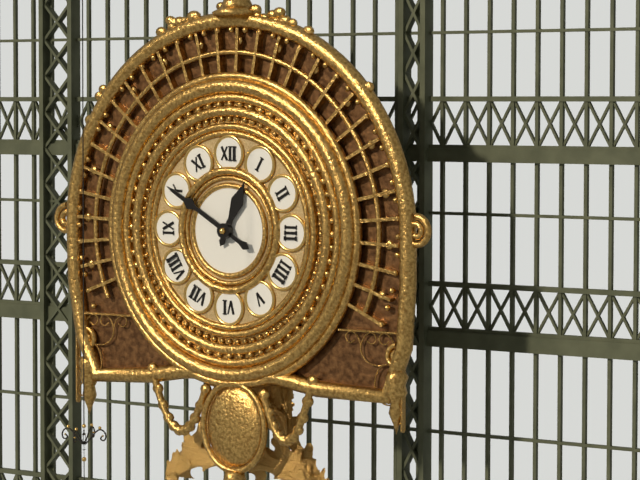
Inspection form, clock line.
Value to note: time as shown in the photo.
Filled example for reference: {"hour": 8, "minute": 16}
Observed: {"hour": 12, "minute": 50}
